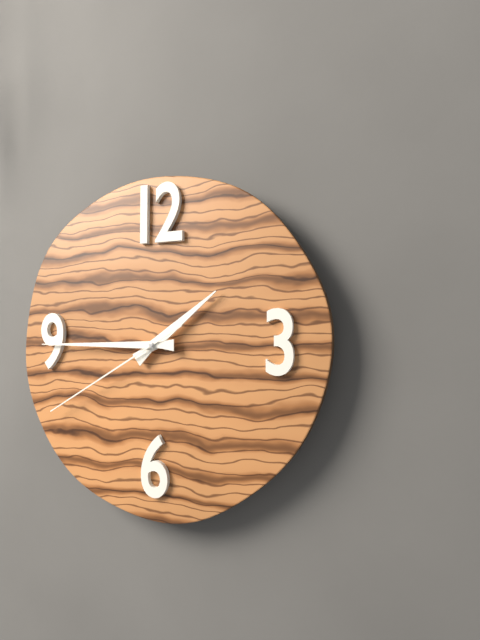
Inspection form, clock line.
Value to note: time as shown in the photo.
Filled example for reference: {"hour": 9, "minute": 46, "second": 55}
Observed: {"hour": 1, "minute": 45, "second": 40}
